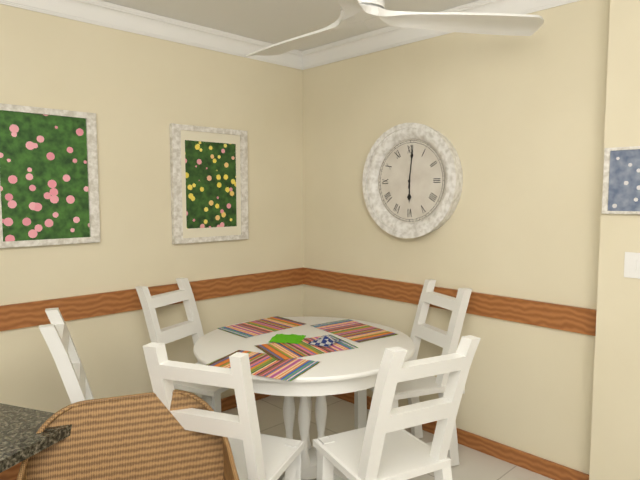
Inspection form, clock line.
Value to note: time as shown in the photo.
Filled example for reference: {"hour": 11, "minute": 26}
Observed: {"hour": 6, "minute": 1}
